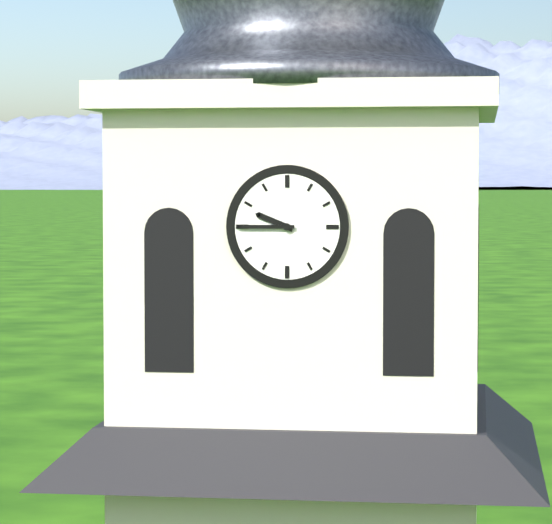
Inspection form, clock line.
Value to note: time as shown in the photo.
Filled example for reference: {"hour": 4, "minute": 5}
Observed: {"hour": 9, "minute": 45}
